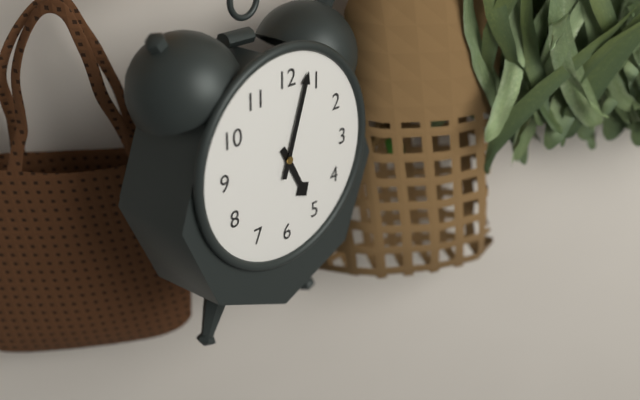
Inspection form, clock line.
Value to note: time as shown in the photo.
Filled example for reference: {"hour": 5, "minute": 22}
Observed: {"hour": 5, "minute": 3}
